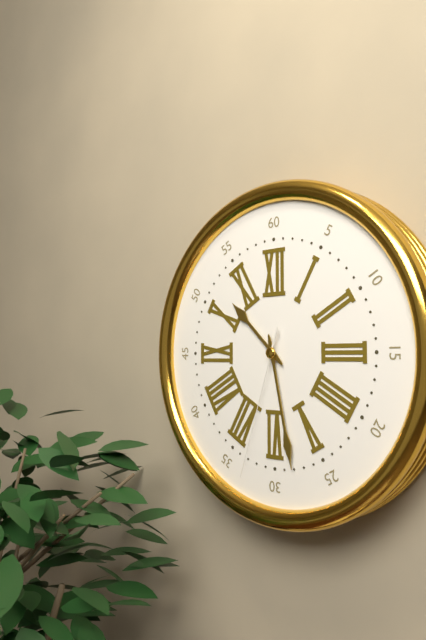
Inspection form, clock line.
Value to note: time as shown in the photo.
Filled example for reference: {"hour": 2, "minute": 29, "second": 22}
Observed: {"hour": 10, "minute": 28, "second": 33}
